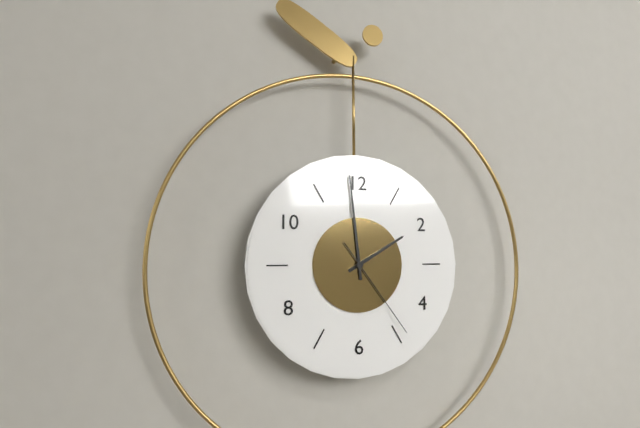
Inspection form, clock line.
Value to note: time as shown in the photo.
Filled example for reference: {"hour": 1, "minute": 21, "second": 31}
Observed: {"hour": 1, "minute": 59, "second": 24}
